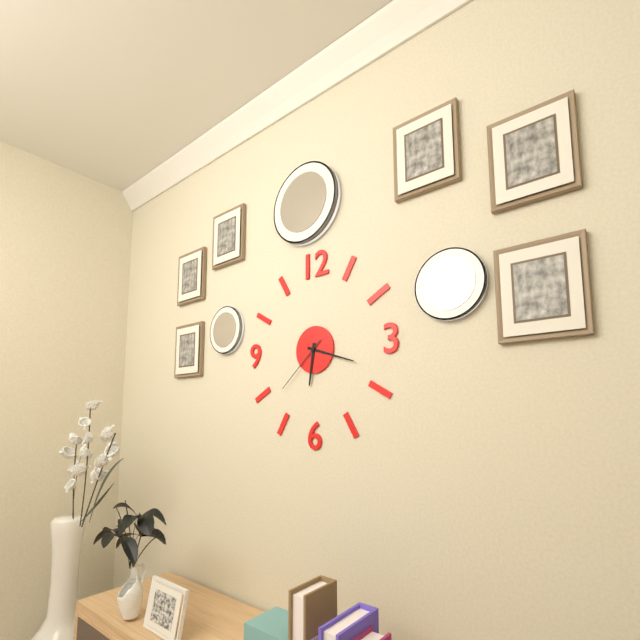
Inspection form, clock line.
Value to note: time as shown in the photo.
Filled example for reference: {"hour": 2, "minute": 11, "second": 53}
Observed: {"hour": 6, "minute": 18, "second": 38}
